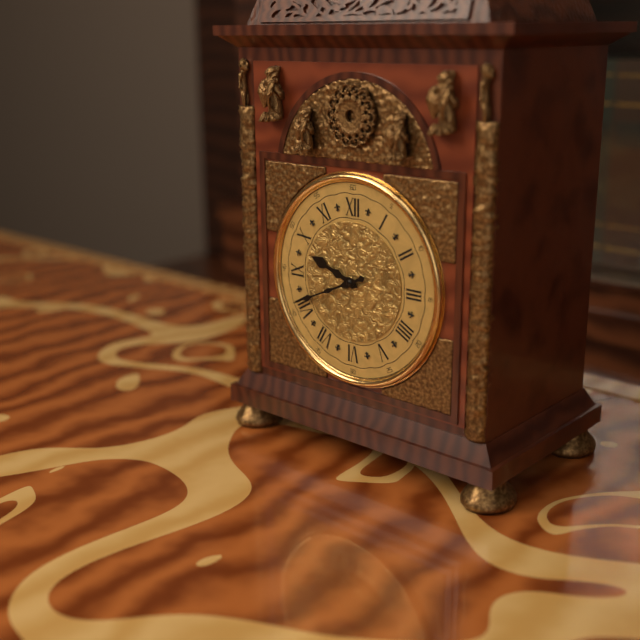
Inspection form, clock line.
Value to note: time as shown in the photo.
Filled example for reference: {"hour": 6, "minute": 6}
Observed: {"hour": 9, "minute": 41}
